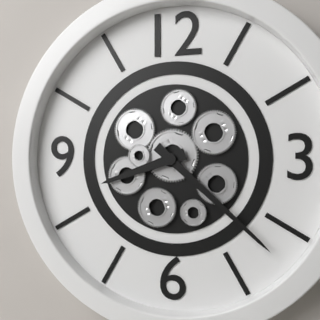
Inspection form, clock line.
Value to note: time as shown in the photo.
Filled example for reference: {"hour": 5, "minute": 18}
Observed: {"hour": 8, "minute": 22}
